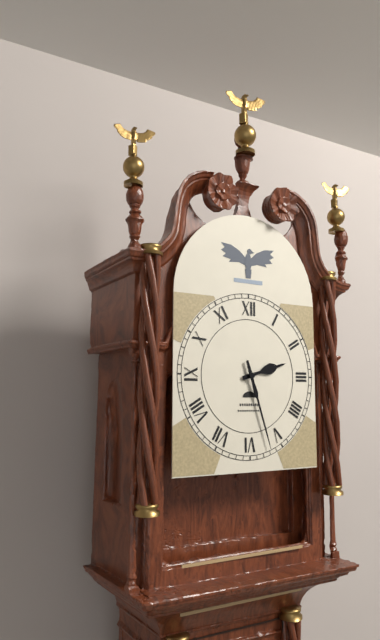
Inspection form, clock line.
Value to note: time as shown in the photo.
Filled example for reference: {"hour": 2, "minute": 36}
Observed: {"hour": 2, "minute": 27}
